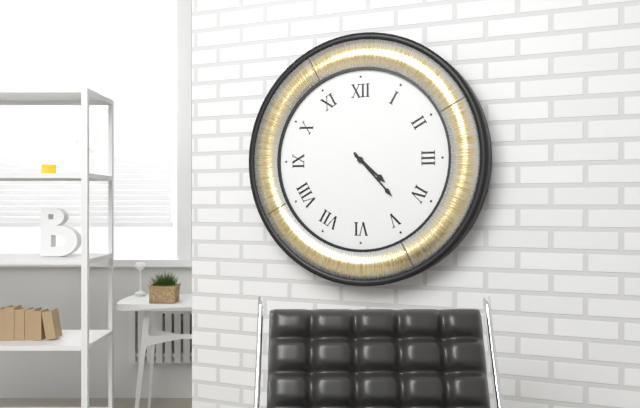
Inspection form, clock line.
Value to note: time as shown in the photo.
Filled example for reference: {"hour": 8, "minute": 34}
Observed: {"hour": 4, "minute": 23}
